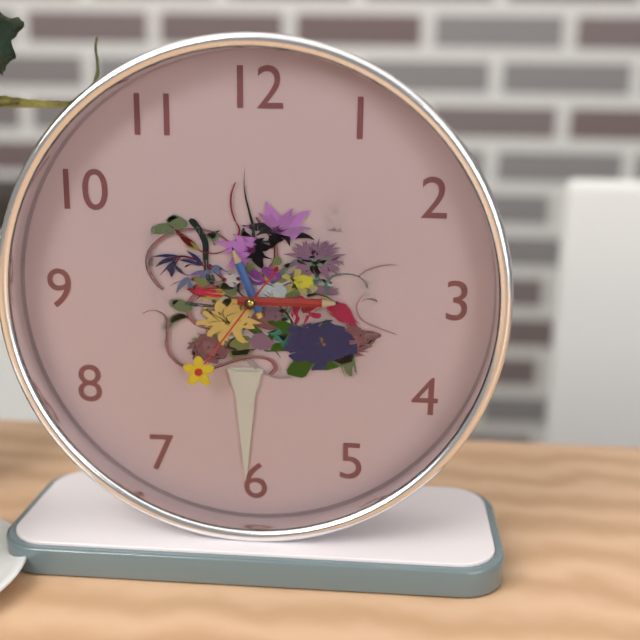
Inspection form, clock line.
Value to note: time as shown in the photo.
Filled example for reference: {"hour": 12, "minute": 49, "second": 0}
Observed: {"hour": 11, "minute": 15, "second": 36}
